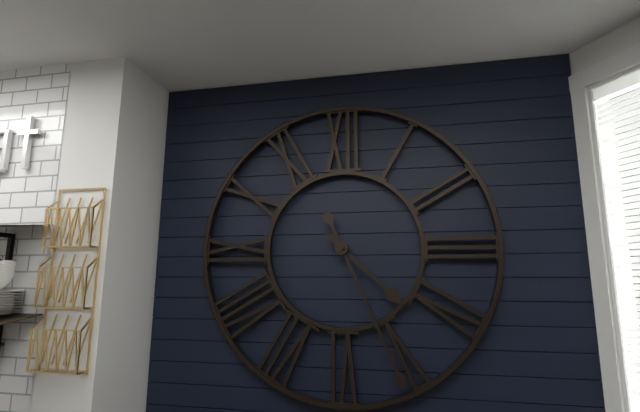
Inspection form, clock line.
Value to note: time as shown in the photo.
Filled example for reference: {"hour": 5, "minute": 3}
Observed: {"hour": 4, "minute": 26}
